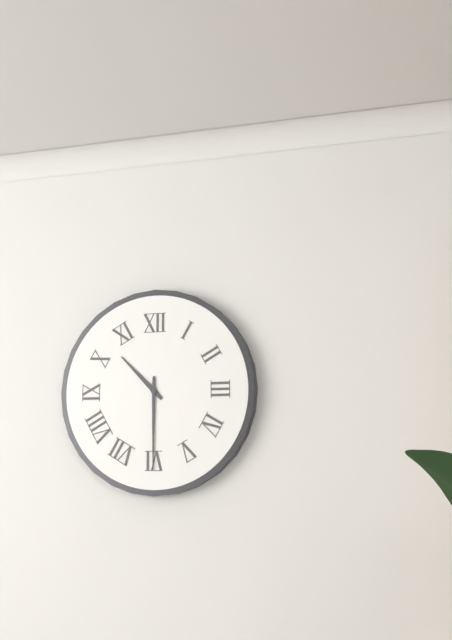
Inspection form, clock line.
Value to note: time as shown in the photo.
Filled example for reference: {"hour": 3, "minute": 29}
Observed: {"hour": 10, "minute": 30}
